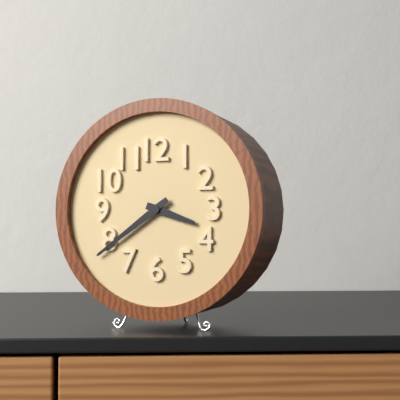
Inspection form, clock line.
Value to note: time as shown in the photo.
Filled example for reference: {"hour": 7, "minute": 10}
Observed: {"hour": 3, "minute": 39}
